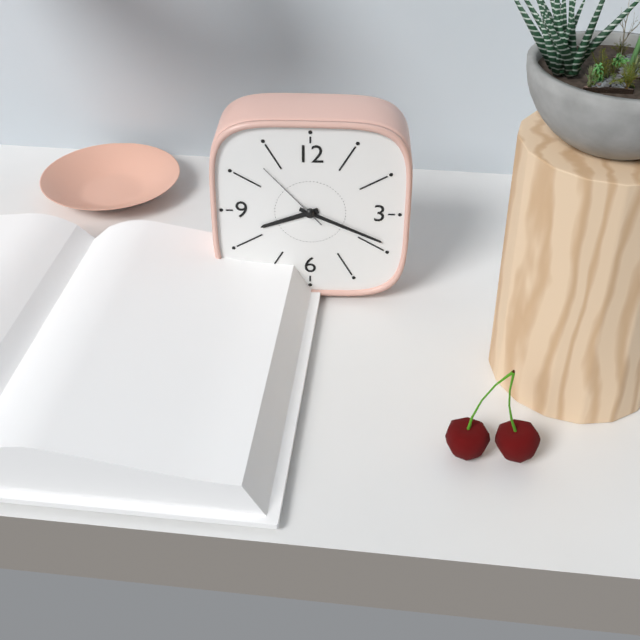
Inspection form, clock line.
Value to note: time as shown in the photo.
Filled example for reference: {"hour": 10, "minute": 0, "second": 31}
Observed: {"hour": 8, "minute": 19, "second": 53}
